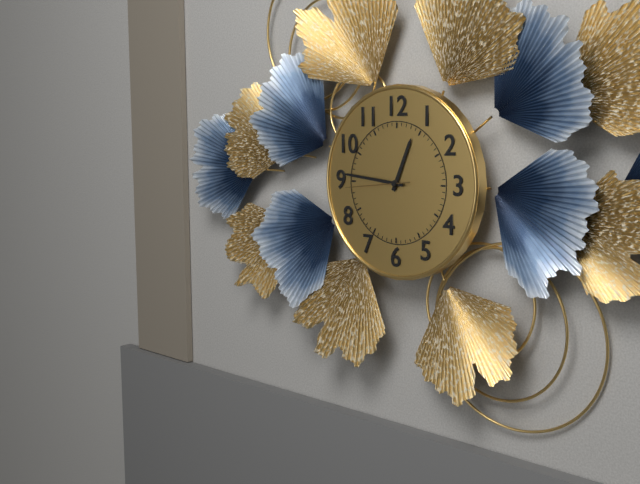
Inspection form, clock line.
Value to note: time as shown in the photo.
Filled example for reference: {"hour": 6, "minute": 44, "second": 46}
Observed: {"hour": 12, "minute": 46, "second": 44}
